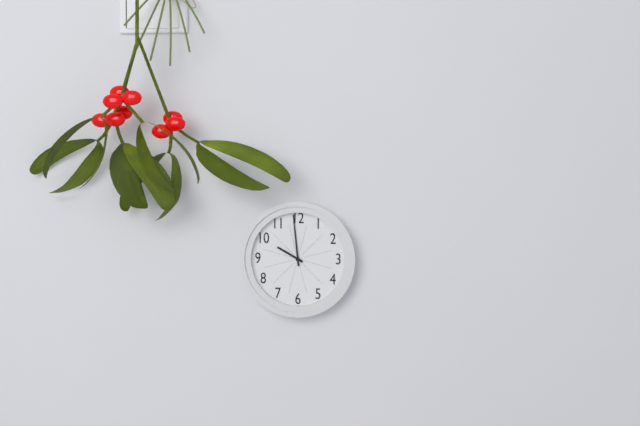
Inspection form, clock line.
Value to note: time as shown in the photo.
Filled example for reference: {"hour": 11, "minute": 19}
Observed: {"hour": 9, "minute": 59}
